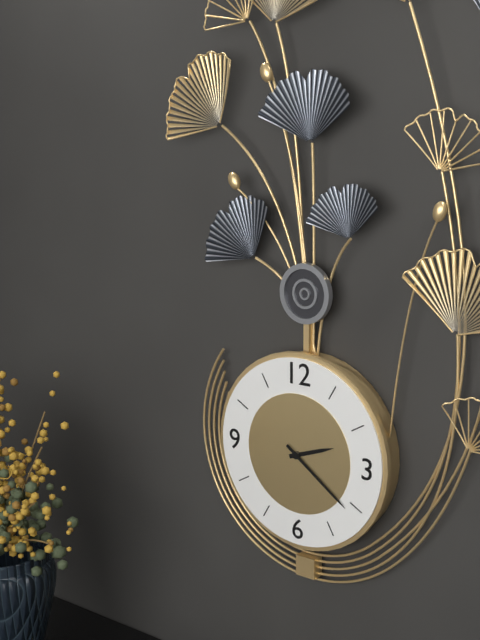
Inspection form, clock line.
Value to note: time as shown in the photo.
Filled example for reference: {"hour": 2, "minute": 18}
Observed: {"hour": 2, "minute": 21}
